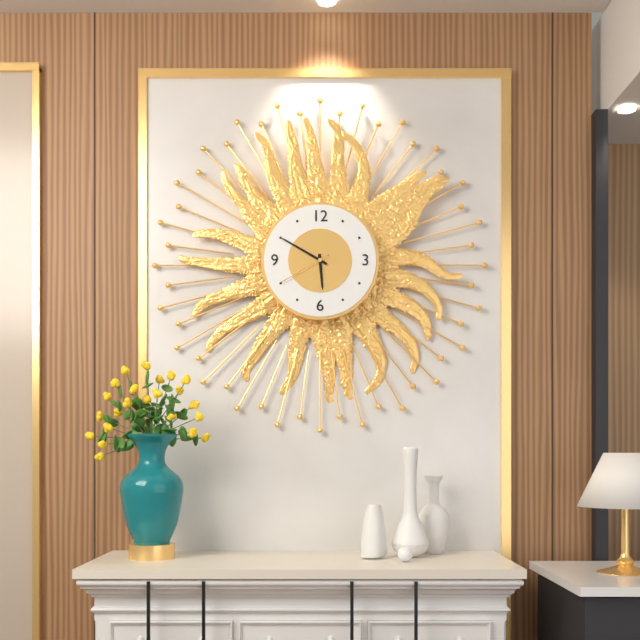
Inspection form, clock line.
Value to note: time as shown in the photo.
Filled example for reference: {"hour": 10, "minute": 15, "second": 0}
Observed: {"hour": 5, "minute": 50, "second": 40}
